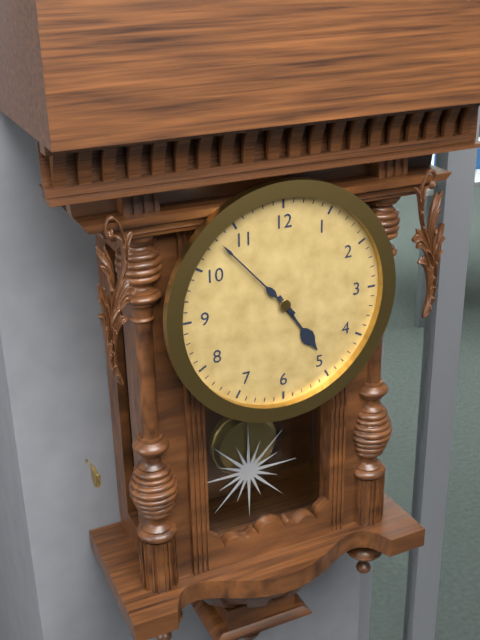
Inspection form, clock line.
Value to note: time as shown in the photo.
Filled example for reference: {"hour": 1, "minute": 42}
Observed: {"hour": 4, "minute": 53}
